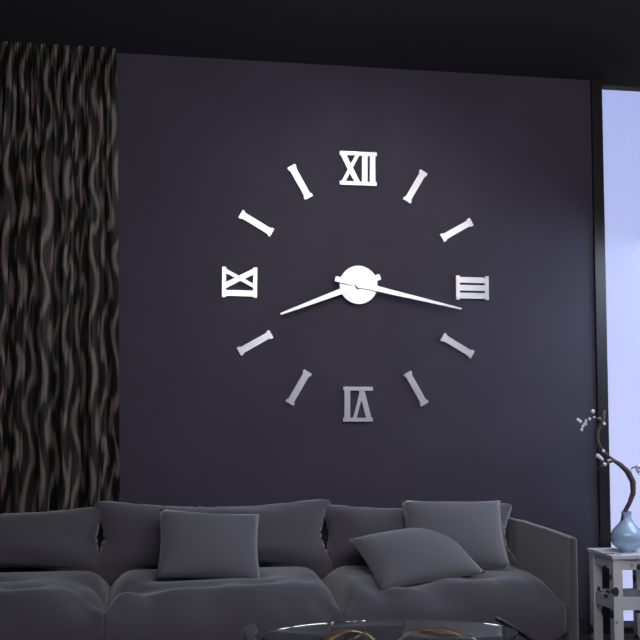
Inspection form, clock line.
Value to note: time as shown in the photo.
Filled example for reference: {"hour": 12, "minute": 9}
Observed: {"hour": 8, "minute": 17}
